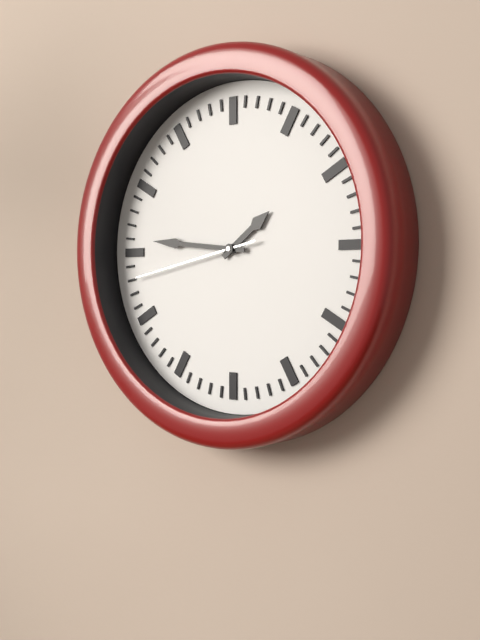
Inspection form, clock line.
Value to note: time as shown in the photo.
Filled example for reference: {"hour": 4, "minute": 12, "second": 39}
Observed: {"hour": 1, "minute": 46, "second": 43}
